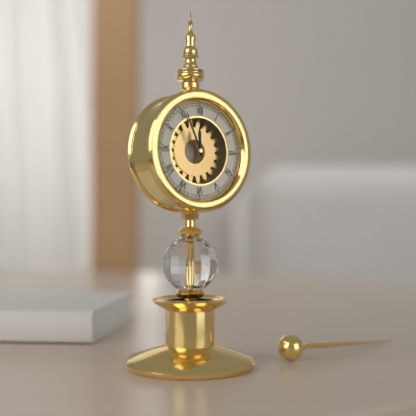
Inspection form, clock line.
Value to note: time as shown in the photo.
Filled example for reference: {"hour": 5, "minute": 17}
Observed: {"hour": 11, "minute": 56}
